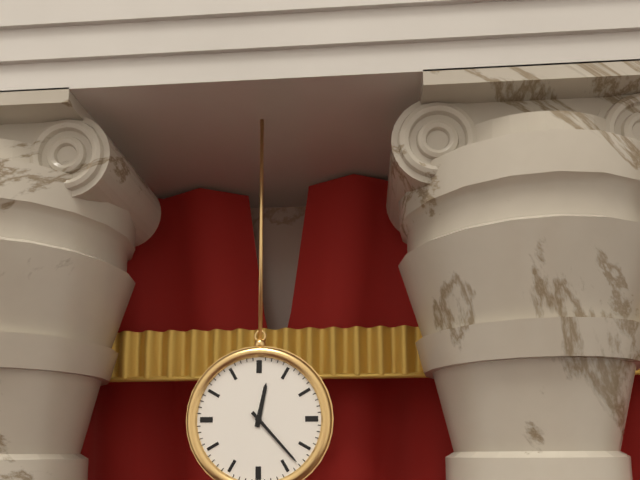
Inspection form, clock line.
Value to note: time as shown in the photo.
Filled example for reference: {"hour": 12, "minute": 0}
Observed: {"hour": 12, "minute": 23}
